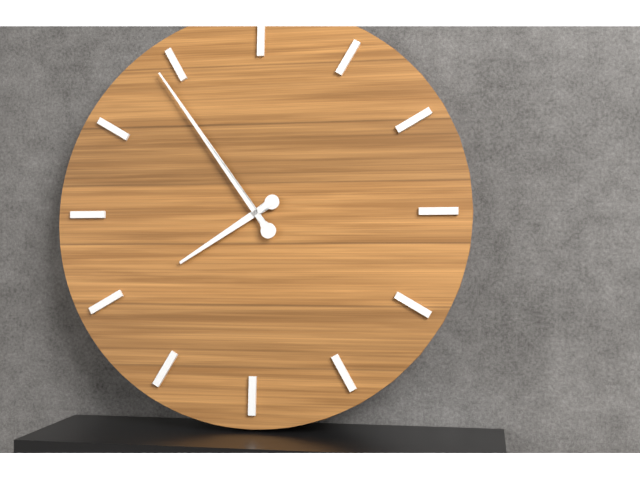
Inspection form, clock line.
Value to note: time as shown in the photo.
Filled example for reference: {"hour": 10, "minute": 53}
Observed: {"hour": 7, "minute": 54}
